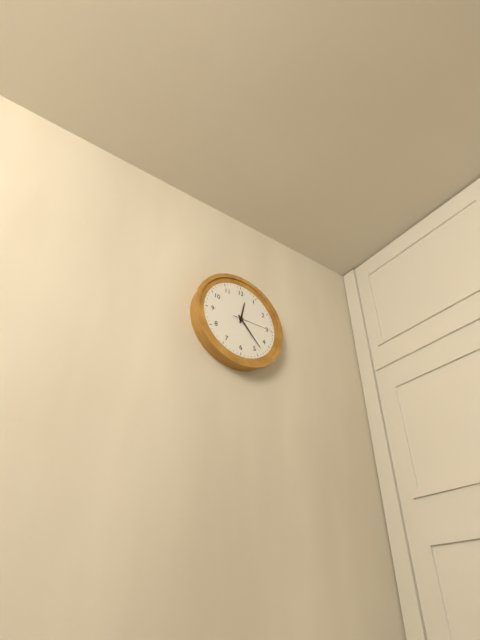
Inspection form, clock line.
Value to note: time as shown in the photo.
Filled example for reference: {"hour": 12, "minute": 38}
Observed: {"hour": 12, "minute": 23}
